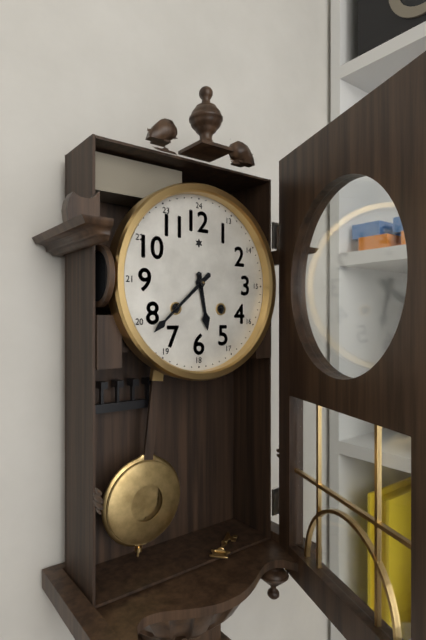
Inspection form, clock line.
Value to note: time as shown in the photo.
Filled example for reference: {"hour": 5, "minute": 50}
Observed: {"hour": 5, "minute": 38}
